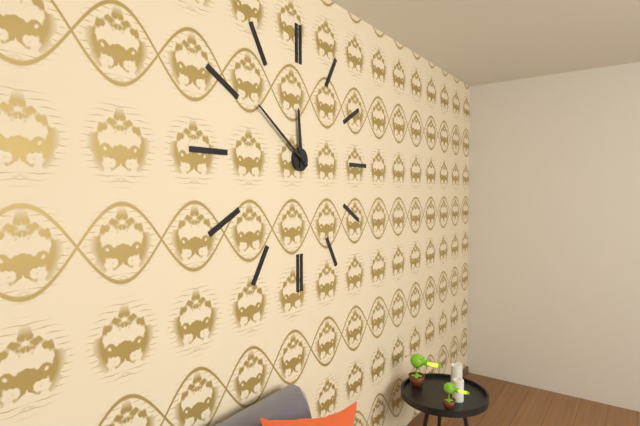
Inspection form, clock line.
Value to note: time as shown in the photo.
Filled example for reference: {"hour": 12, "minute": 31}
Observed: {"hour": 11, "minute": 51}
